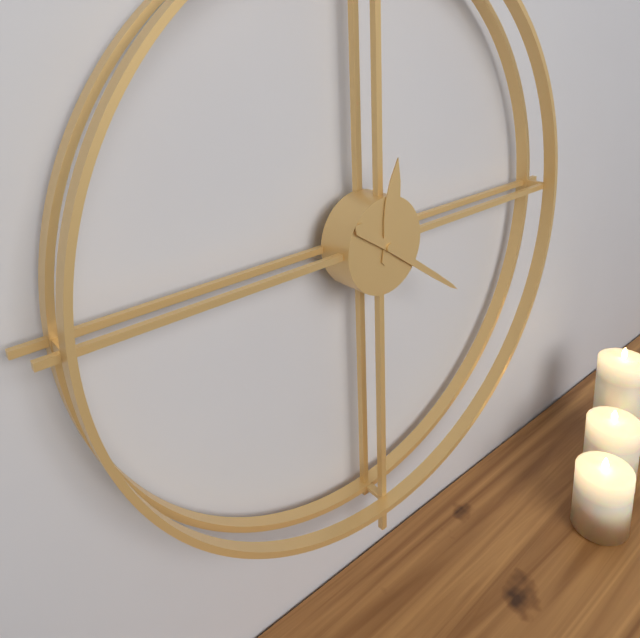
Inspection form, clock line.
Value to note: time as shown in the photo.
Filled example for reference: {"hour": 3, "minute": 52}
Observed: {"hour": 12, "minute": 21}
